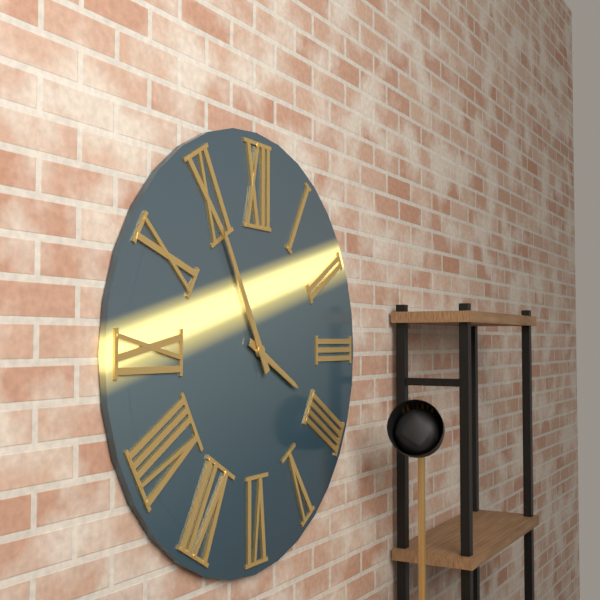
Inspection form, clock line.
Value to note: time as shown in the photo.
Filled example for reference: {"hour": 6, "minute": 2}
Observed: {"hour": 3, "minute": 55}
